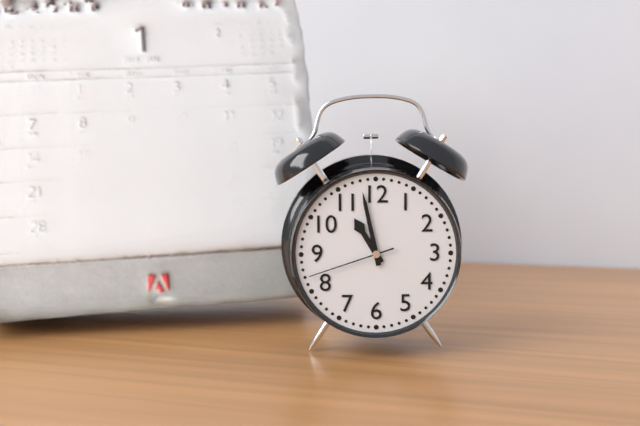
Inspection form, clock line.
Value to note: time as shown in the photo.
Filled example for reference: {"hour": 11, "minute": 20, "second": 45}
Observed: {"hour": 10, "minute": 58, "second": 42}
